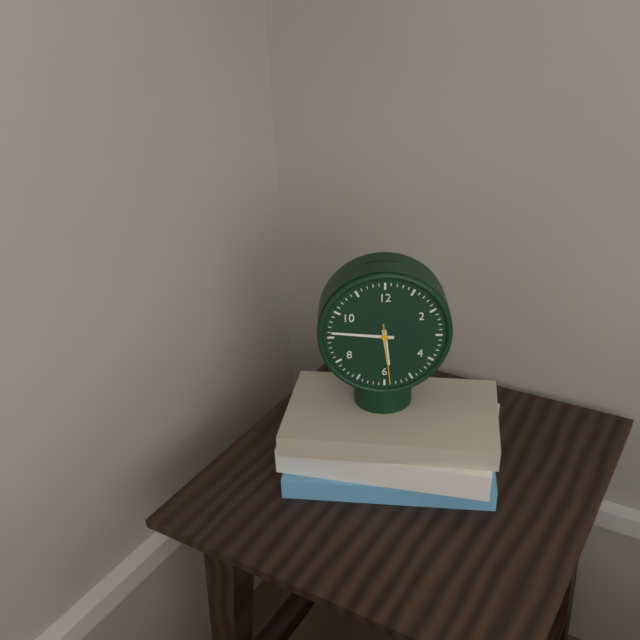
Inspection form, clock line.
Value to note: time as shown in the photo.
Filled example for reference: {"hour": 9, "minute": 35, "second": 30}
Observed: {"hour": 5, "minute": 46, "second": 29}
